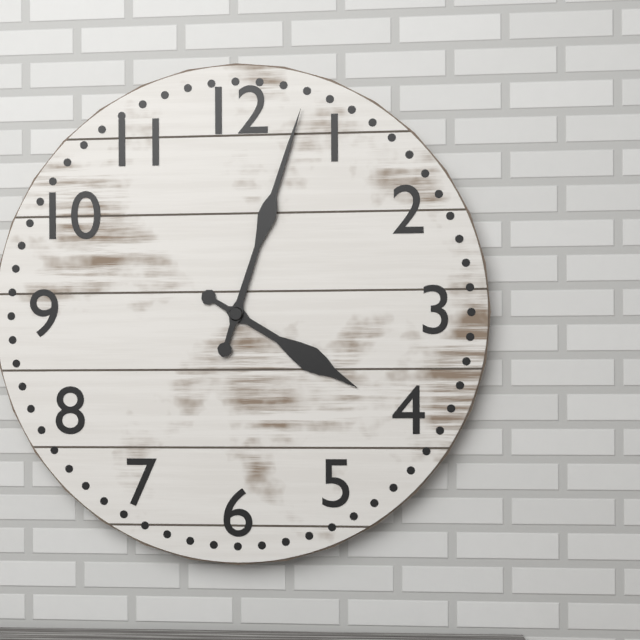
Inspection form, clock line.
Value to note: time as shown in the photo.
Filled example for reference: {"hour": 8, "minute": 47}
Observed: {"hour": 4, "minute": 3}
